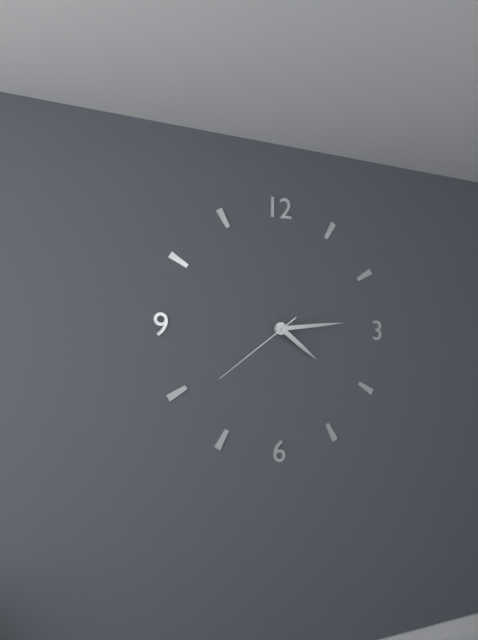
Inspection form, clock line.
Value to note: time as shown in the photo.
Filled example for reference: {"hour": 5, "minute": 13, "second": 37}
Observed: {"hour": 4, "minute": 14, "second": 39}
